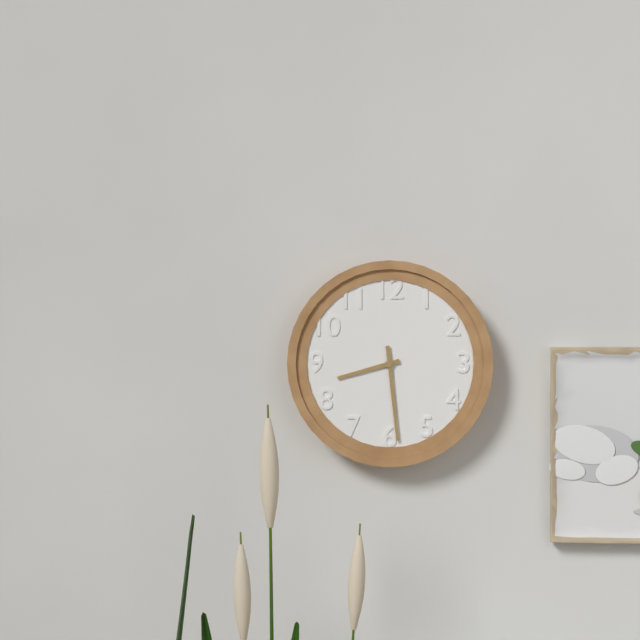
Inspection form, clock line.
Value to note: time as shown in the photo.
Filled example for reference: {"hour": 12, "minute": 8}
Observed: {"hour": 8, "minute": 29}
